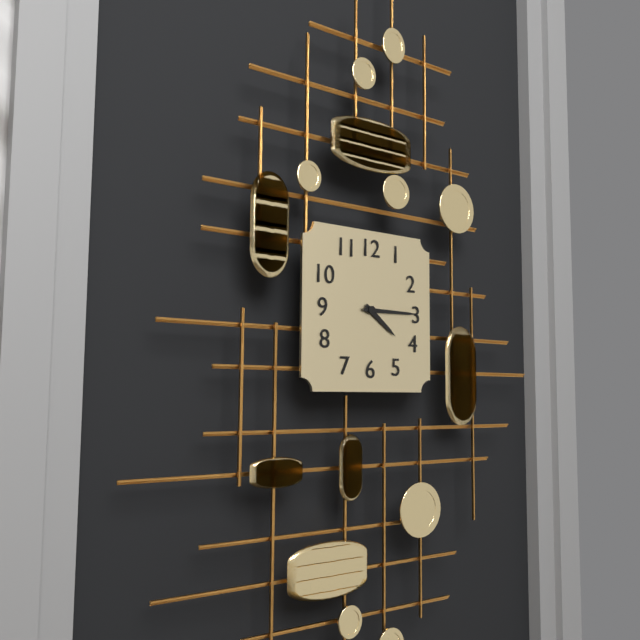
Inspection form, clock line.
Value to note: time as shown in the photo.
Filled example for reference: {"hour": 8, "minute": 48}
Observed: {"hour": 4, "minute": 15}
